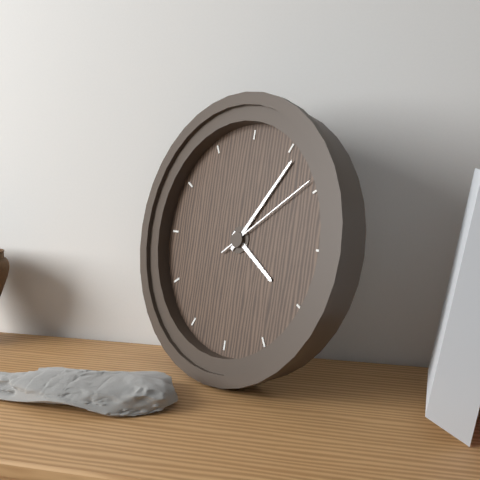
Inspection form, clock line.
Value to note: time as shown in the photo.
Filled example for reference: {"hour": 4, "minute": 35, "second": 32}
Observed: {"hour": 4, "minute": 6, "second": 9}
